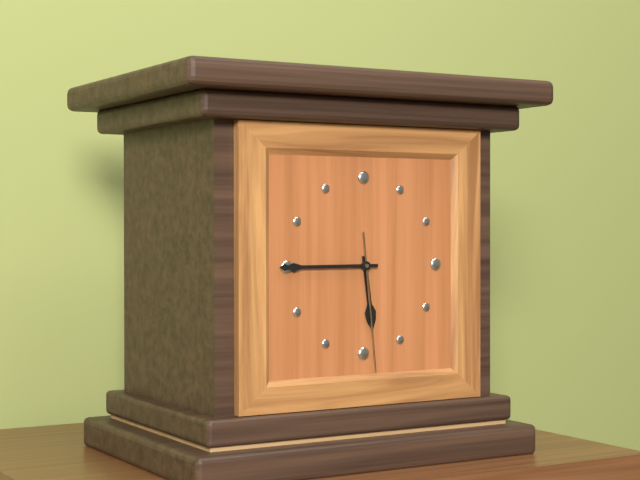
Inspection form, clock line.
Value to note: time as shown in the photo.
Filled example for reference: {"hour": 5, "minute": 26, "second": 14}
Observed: {"hour": 5, "minute": 45, "second": 29}
